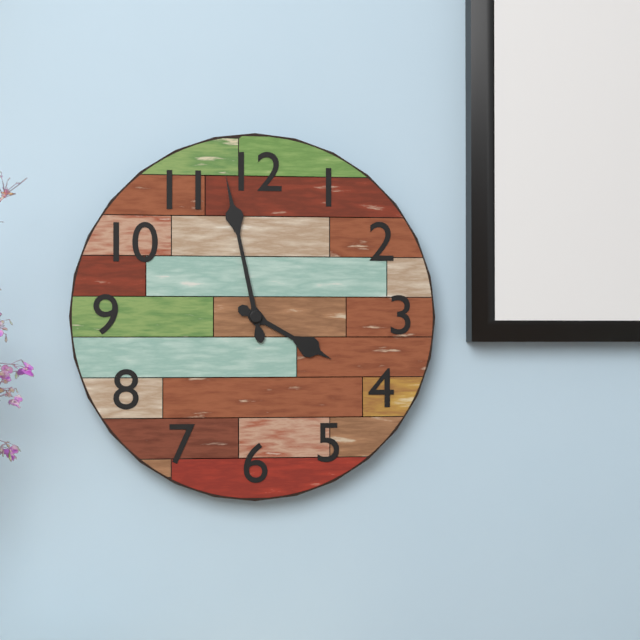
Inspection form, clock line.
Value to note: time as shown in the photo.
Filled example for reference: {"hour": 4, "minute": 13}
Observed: {"hour": 3, "minute": 58}
